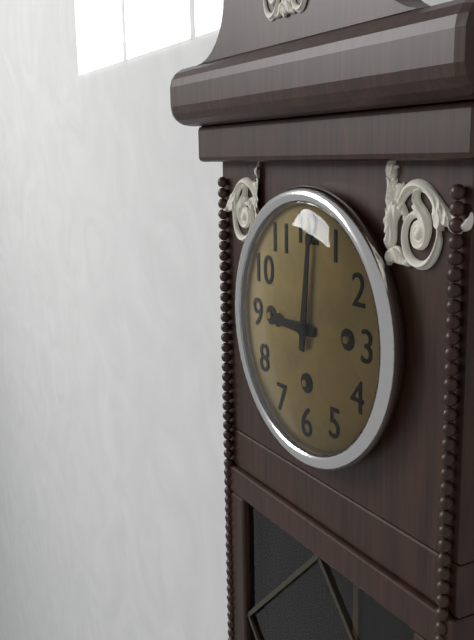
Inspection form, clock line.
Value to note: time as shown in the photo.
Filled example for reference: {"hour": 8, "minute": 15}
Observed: {"hour": 9, "minute": 1}
